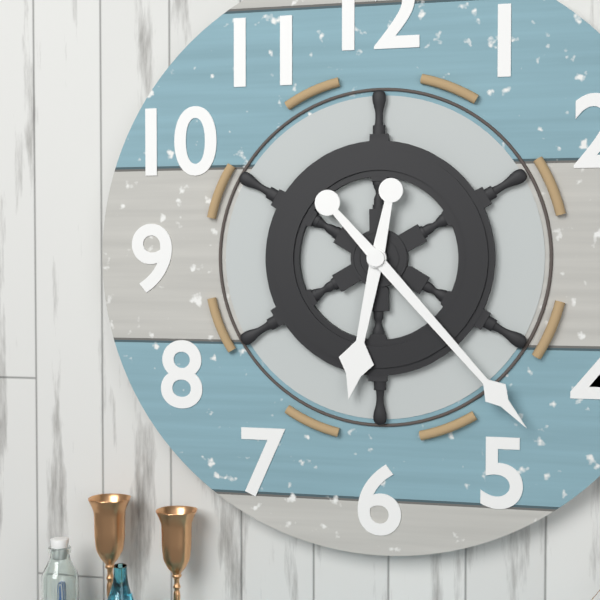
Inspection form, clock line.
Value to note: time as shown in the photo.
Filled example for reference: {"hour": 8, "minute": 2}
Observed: {"hour": 6, "minute": 23}
